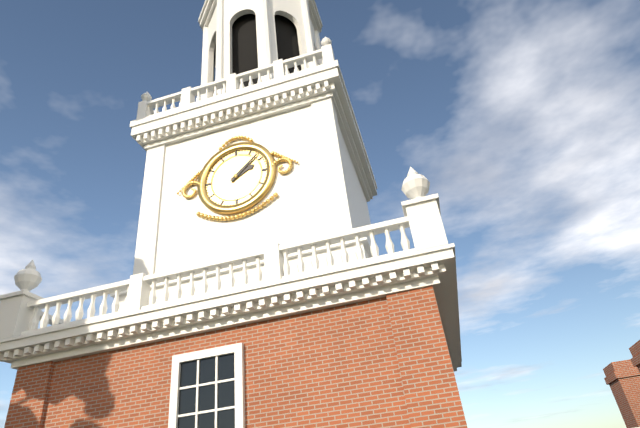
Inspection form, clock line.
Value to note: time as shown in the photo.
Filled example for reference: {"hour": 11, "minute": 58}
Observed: {"hour": 2, "minute": 8}
